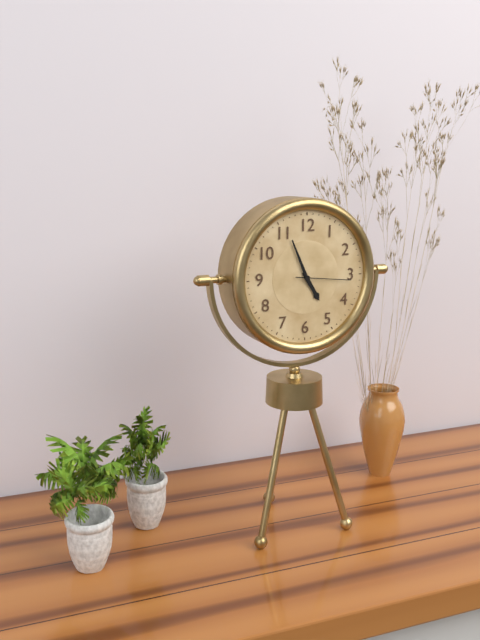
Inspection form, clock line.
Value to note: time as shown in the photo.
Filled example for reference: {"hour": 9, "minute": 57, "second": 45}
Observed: {"hour": 4, "minute": 56, "second": 16}
